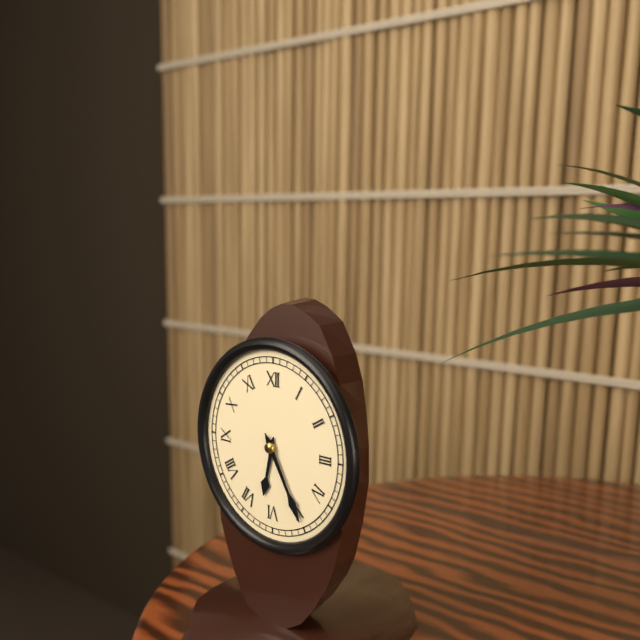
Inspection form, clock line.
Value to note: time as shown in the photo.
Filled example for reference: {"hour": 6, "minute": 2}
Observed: {"hour": 6, "minute": 25}
